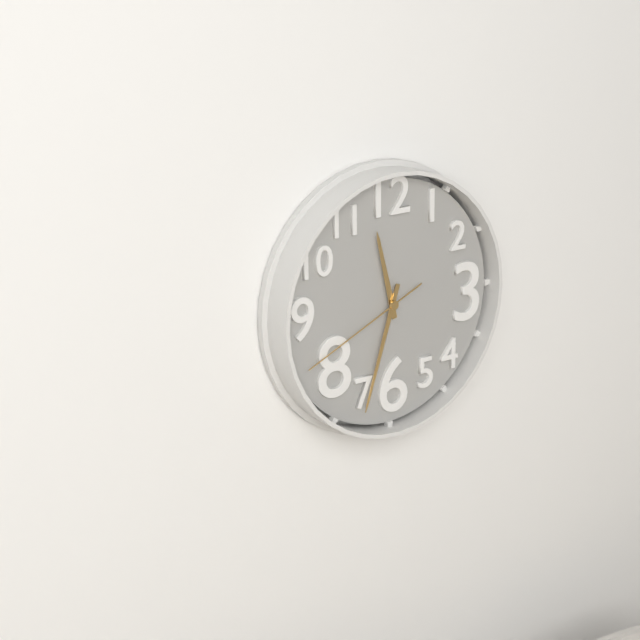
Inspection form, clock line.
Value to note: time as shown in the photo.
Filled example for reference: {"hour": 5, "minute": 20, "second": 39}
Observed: {"hour": 11, "minute": 33, "second": 41}
